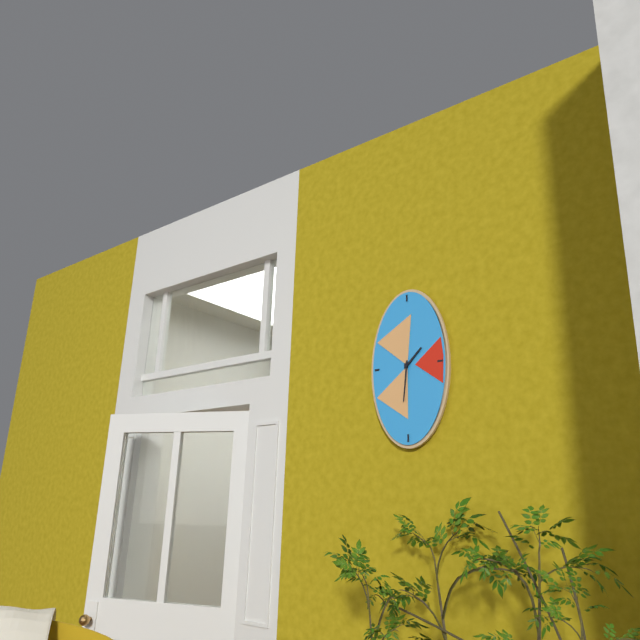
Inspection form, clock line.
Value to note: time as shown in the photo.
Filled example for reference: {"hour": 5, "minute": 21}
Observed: {"hour": 1, "minute": 31}
